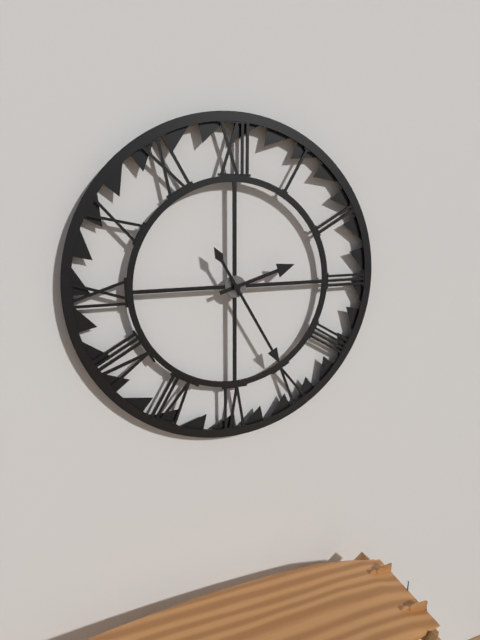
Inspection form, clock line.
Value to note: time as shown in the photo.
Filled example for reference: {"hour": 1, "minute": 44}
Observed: {"hour": 2, "minute": 25}
